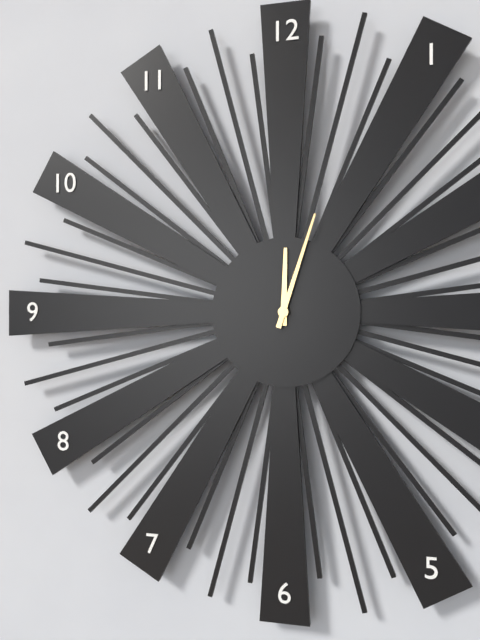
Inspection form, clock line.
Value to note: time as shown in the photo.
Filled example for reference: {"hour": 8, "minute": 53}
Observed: {"hour": 12, "minute": 3}
